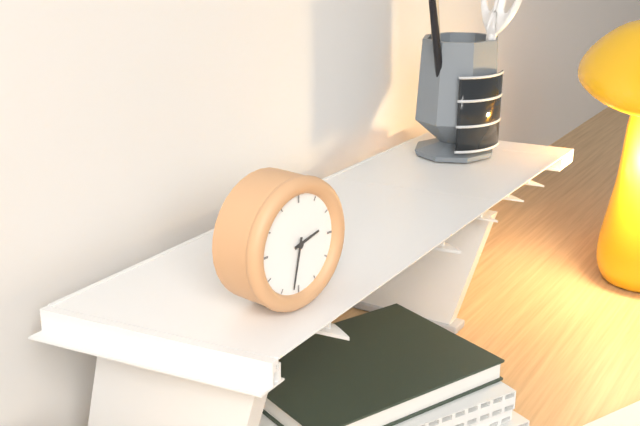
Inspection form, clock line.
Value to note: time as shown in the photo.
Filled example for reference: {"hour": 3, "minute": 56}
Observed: {"hour": 2, "minute": 32}
